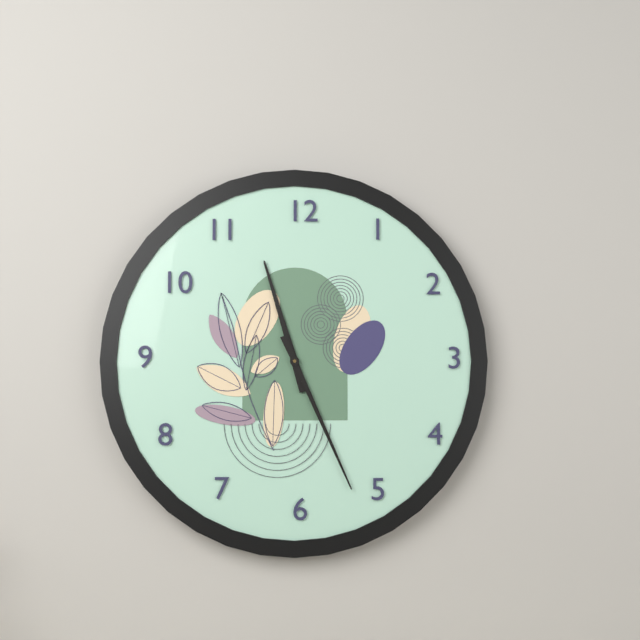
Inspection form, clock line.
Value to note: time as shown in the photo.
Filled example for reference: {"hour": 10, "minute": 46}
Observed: {"hour": 11, "minute": 26}
